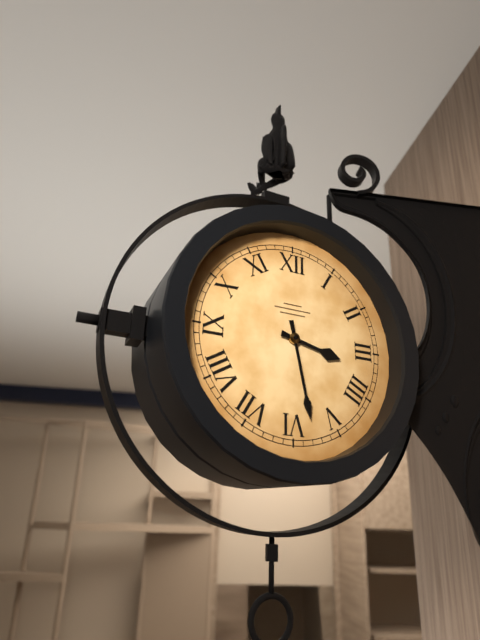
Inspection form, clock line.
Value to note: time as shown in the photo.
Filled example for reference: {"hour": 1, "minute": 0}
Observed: {"hour": 3, "minute": 28}
